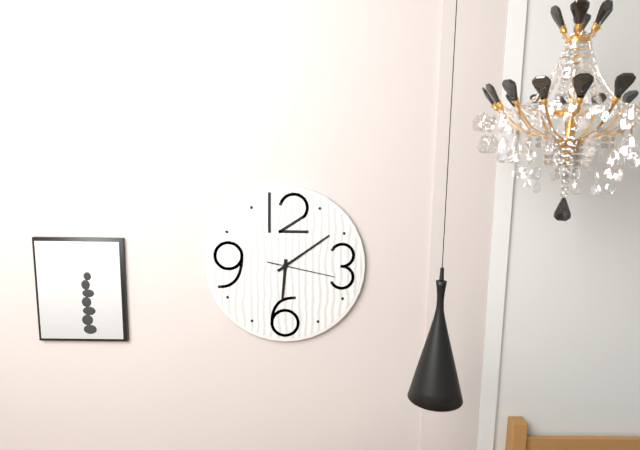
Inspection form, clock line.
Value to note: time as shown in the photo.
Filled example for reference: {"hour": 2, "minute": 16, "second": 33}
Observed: {"hour": 6, "minute": 9, "second": 17}
